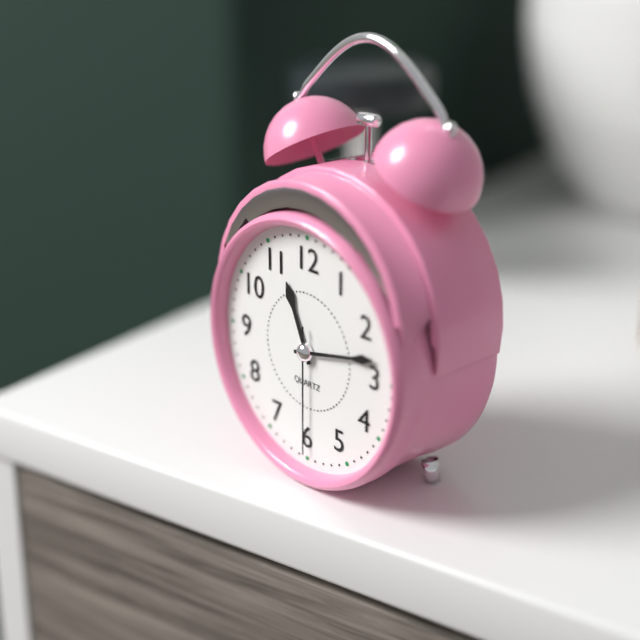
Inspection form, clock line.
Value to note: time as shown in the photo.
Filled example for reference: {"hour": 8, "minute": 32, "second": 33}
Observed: {"hour": 11, "minute": 13, "second": 30}
